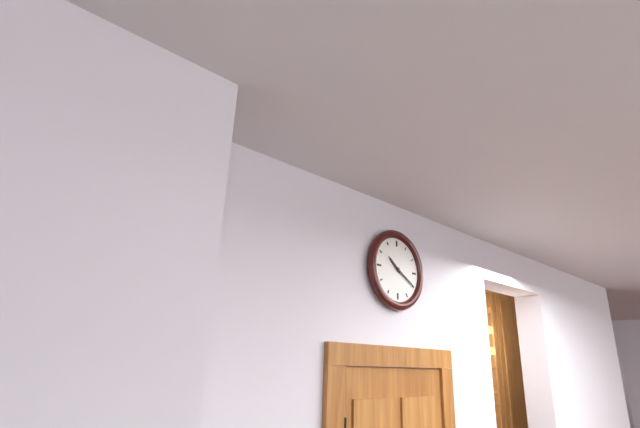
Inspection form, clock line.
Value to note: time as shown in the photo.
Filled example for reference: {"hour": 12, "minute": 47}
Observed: {"hour": 10, "minute": 20}
